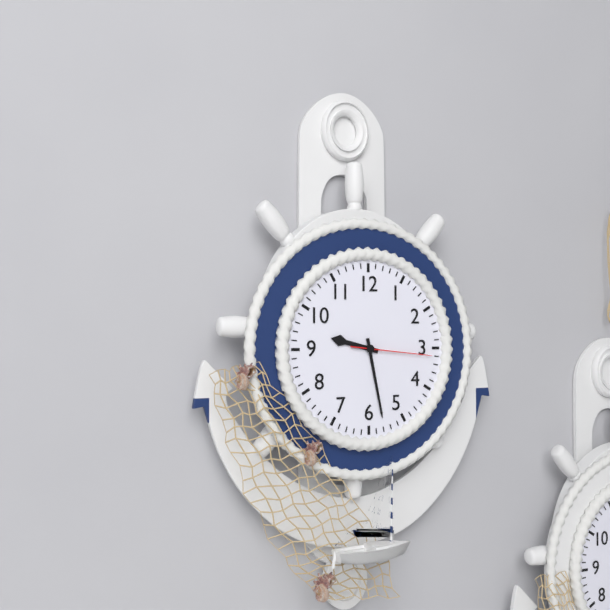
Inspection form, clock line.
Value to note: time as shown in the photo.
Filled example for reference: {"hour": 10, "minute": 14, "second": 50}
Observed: {"hour": 9, "minute": 28, "second": 16}
